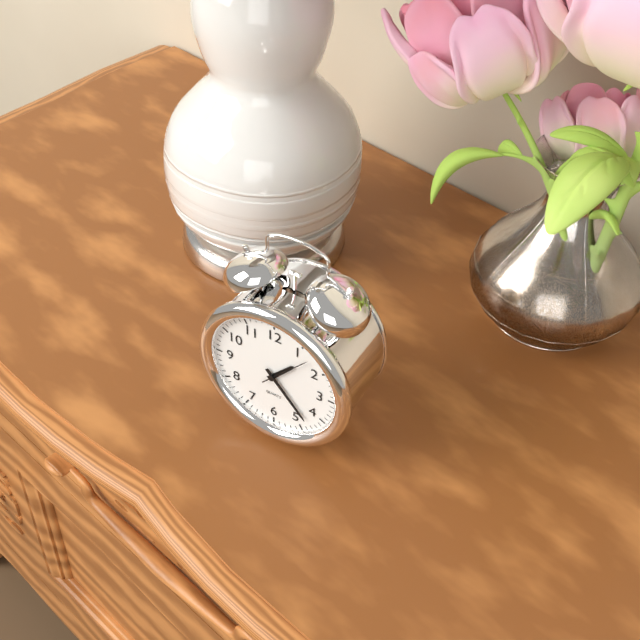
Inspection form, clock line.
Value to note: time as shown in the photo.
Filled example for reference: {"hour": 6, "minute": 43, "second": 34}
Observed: {"hour": 1, "minute": 23, "second": 7}
